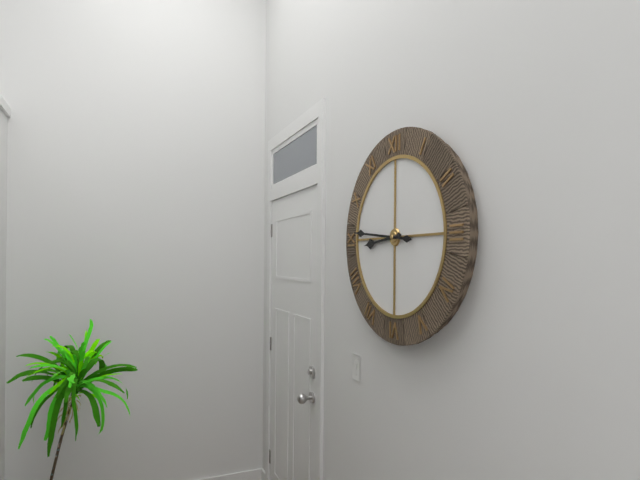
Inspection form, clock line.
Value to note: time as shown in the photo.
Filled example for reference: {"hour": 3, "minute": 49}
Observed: {"hour": 8, "minute": 46}
